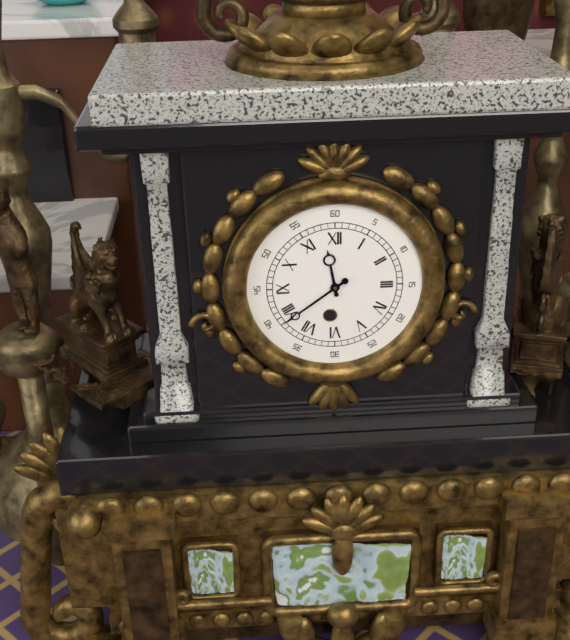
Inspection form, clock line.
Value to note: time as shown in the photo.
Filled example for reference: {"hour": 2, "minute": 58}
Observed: {"hour": 11, "minute": 39}
